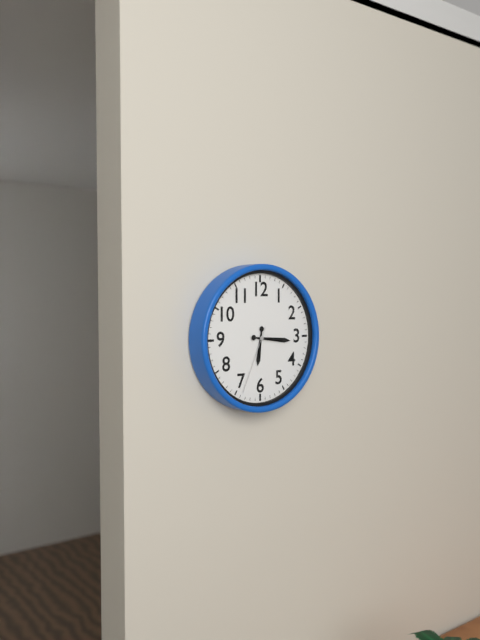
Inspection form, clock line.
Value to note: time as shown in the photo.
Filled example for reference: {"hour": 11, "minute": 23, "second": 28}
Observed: {"hour": 6, "minute": 16, "second": 34}
